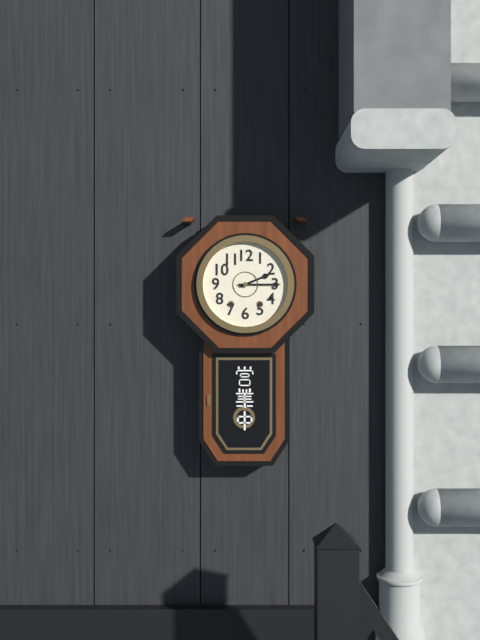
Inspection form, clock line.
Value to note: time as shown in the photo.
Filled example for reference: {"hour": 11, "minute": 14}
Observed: {"hour": 2, "minute": 15}
